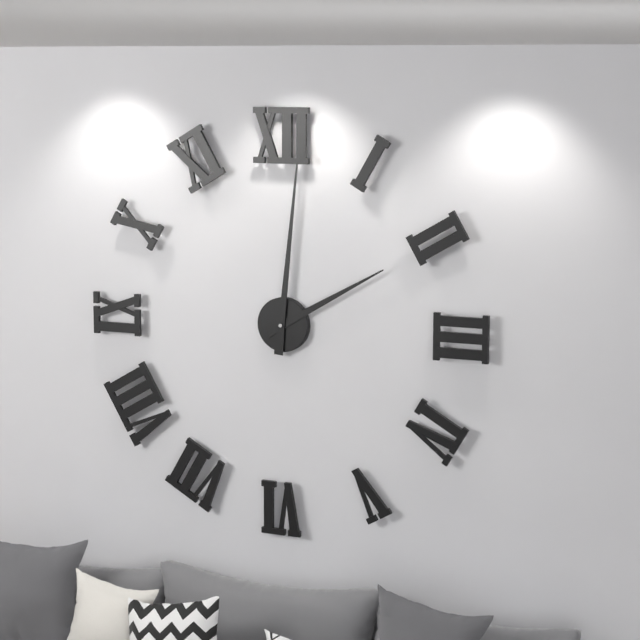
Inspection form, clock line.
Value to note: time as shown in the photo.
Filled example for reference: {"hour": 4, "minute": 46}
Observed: {"hour": 2, "minute": 1}
